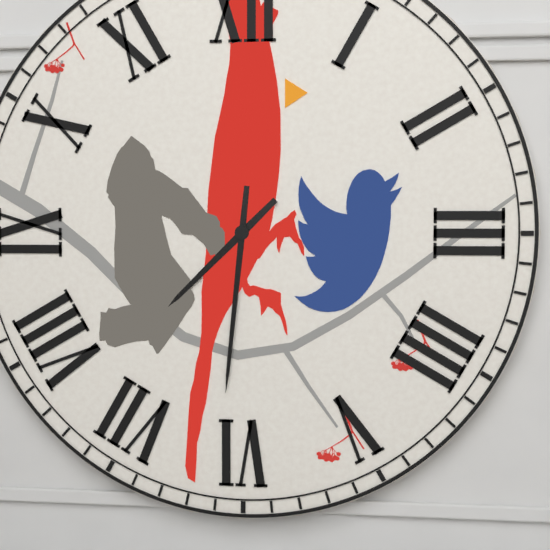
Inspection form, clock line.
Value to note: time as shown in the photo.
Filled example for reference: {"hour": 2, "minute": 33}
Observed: {"hour": 7, "minute": 31}
